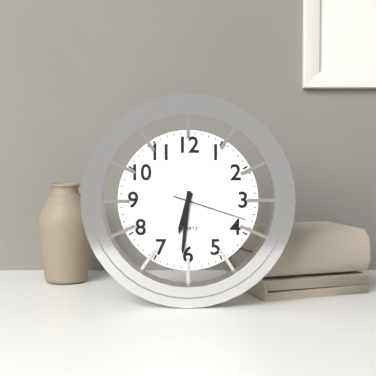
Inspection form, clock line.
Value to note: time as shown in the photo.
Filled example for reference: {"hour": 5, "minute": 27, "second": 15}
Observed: {"hour": 6, "minute": 31, "second": 18}
